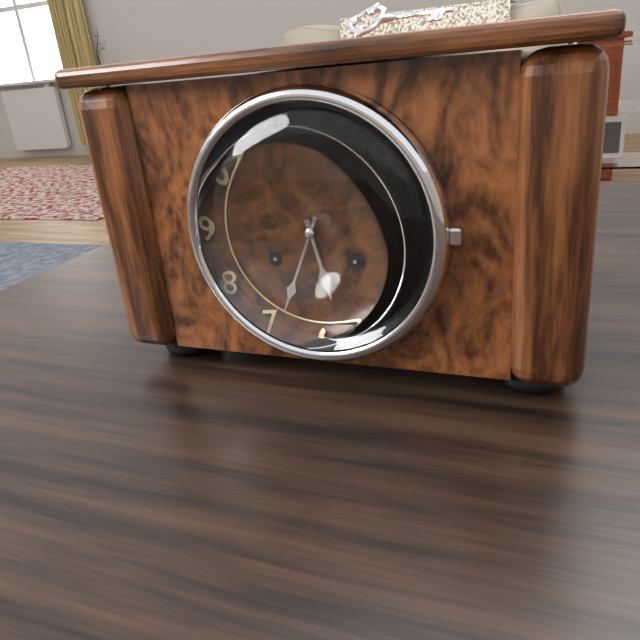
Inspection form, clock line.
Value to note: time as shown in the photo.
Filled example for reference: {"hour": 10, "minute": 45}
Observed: {"hour": 5, "minute": 34}
